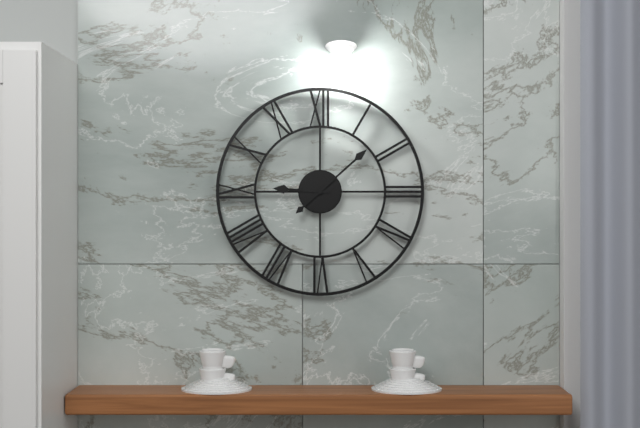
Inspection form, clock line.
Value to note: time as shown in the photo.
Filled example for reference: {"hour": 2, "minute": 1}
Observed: {"hour": 9, "minute": 8}
